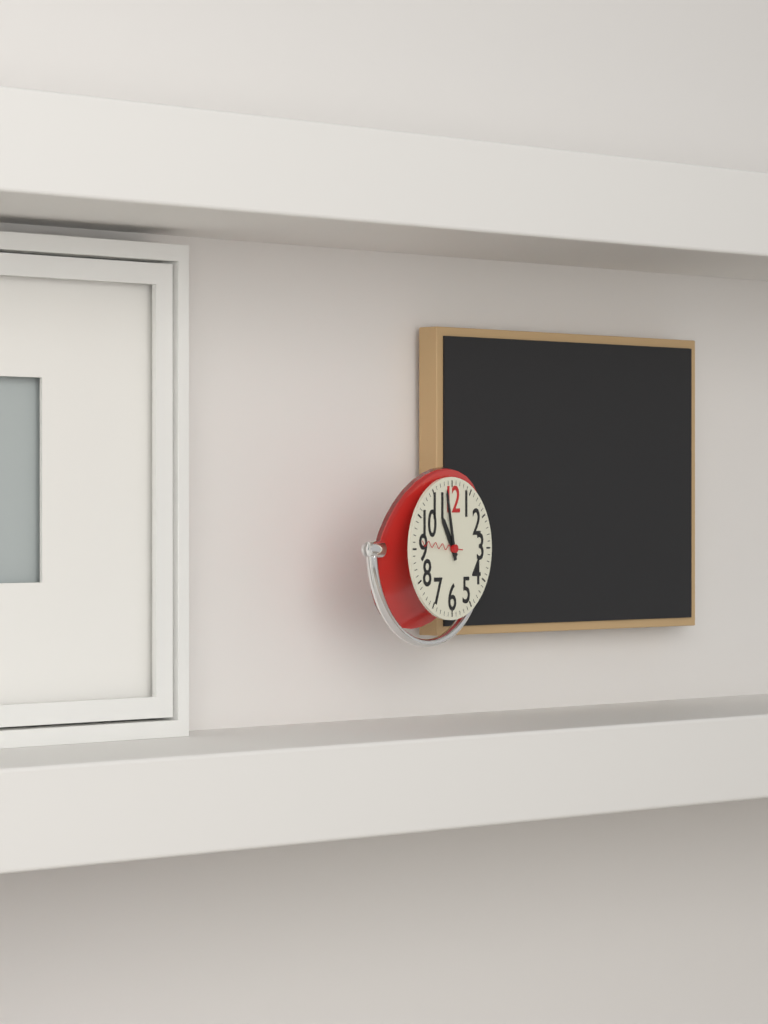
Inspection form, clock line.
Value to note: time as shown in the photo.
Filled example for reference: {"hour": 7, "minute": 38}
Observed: {"hour": 10, "minute": 58}
